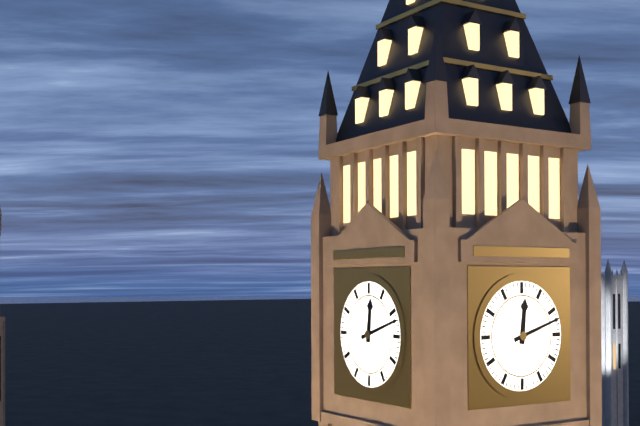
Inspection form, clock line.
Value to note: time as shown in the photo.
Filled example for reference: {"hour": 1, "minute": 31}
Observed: {"hour": 12, "minute": 12}
